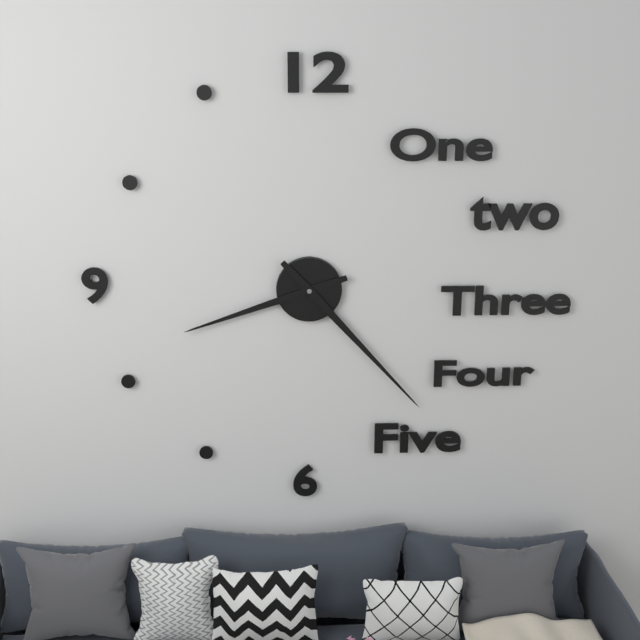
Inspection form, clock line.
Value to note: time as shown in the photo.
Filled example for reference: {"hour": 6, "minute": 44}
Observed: {"hour": 8, "minute": 23}
